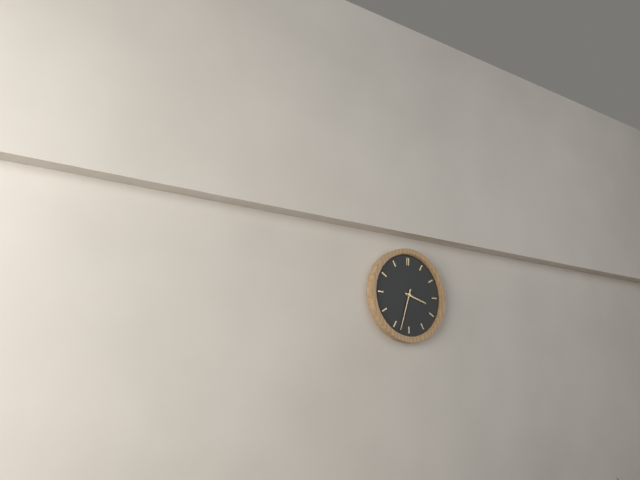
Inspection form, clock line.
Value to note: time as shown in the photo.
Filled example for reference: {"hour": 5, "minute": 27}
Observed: {"hour": 3, "minute": 33}
